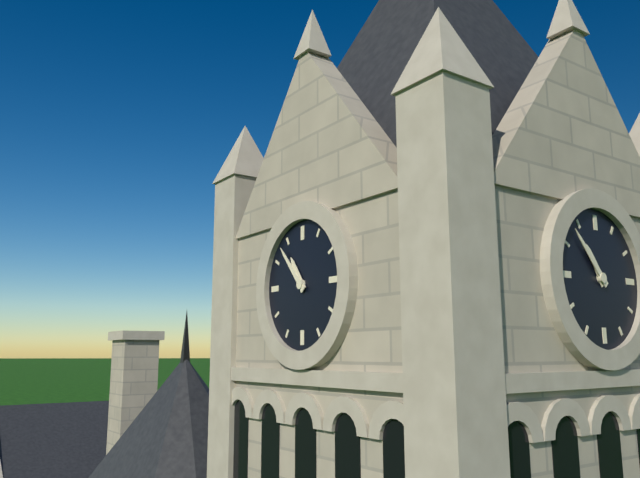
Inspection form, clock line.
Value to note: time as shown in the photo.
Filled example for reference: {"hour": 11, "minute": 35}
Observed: {"hour": 10, "minute": 53}
